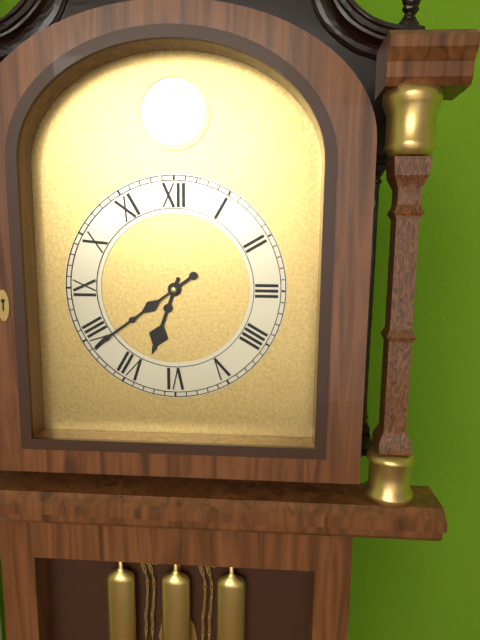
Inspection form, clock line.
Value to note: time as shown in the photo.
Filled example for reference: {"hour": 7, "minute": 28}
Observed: {"hour": 6, "minute": 39}
